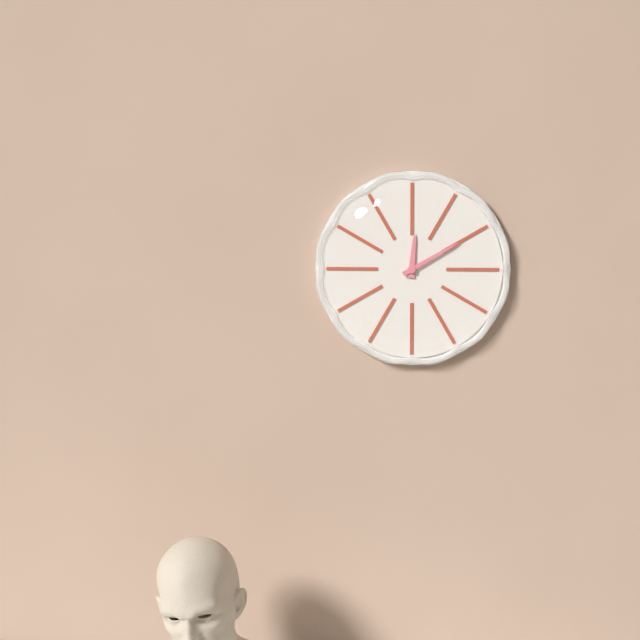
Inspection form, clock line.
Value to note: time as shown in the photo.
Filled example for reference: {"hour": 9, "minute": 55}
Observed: {"hour": 12, "minute": 10}
